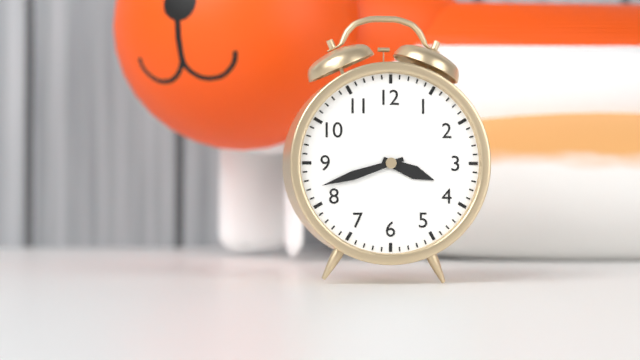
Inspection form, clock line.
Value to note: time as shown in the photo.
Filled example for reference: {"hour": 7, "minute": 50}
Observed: {"hour": 3, "minute": 42}
